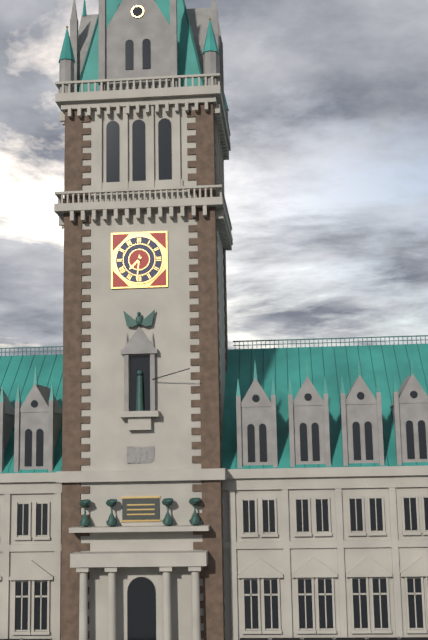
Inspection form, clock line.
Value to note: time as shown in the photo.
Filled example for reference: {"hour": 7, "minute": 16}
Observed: {"hour": 7, "minute": 31}
